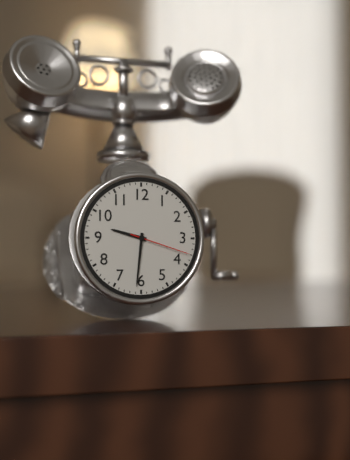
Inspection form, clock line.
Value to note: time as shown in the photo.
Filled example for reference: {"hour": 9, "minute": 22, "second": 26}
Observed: {"hour": 9, "minute": 31, "second": 18}
